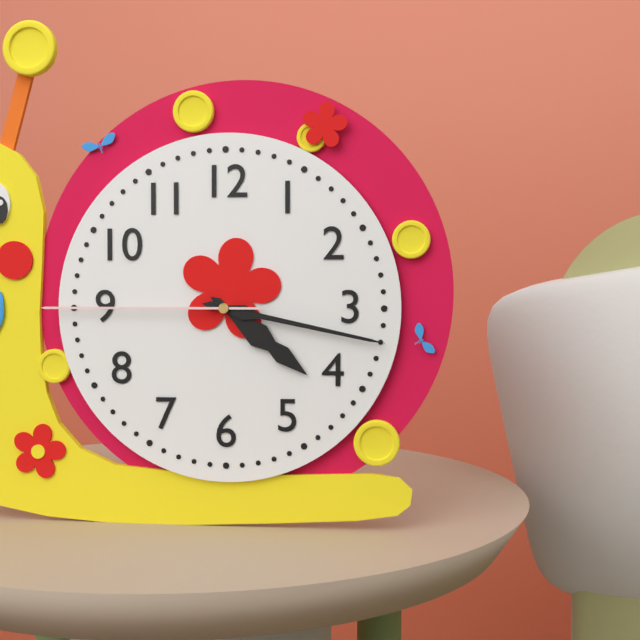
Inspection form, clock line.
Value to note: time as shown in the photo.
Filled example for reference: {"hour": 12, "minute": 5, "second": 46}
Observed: {"hour": 4, "minute": 17, "second": 45}
